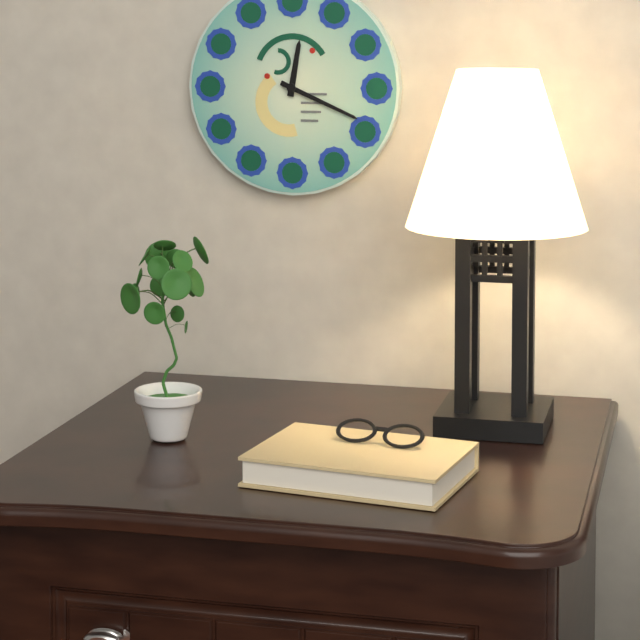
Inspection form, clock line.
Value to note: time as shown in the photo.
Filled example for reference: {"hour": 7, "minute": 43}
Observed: {"hour": 12, "minute": 19}
